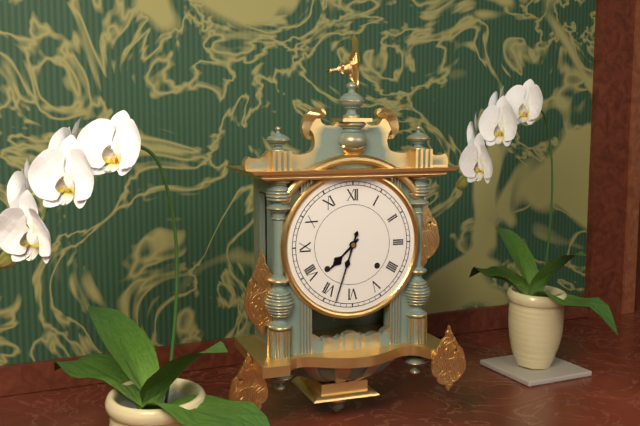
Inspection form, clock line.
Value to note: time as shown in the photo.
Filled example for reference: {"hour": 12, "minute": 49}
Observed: {"hour": 7, "minute": 33}
